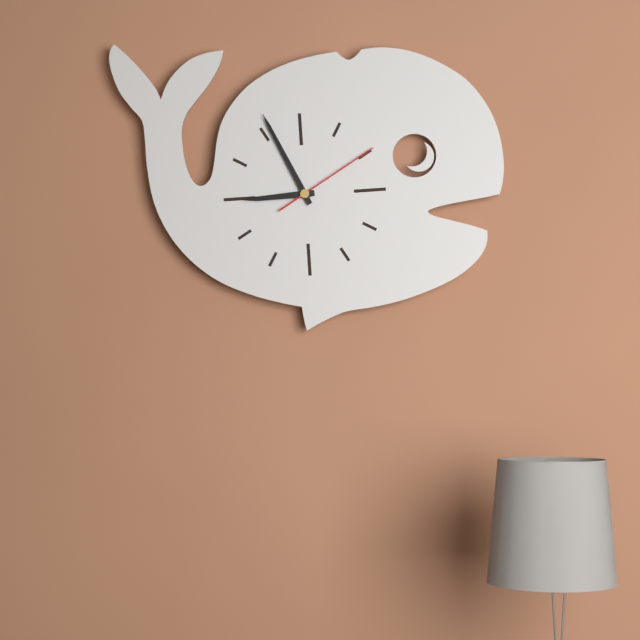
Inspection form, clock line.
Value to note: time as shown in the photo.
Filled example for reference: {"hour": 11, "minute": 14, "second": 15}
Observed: {"hour": 8, "minute": 56, "second": 10}
